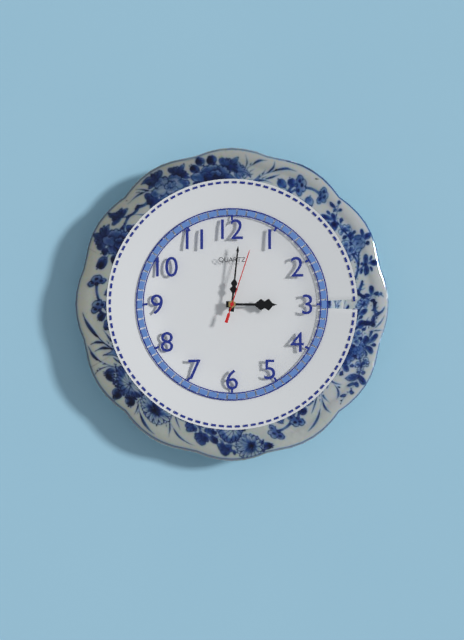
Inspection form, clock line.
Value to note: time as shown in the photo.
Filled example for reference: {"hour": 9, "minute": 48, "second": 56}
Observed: {"hour": 3, "minute": 1, "second": 3}
